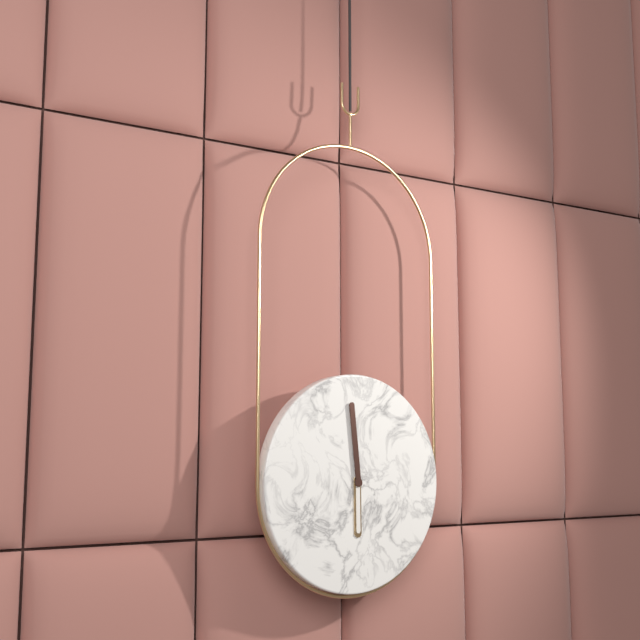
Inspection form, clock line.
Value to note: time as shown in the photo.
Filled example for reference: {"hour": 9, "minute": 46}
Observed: {"hour": 5, "minute": 59}
